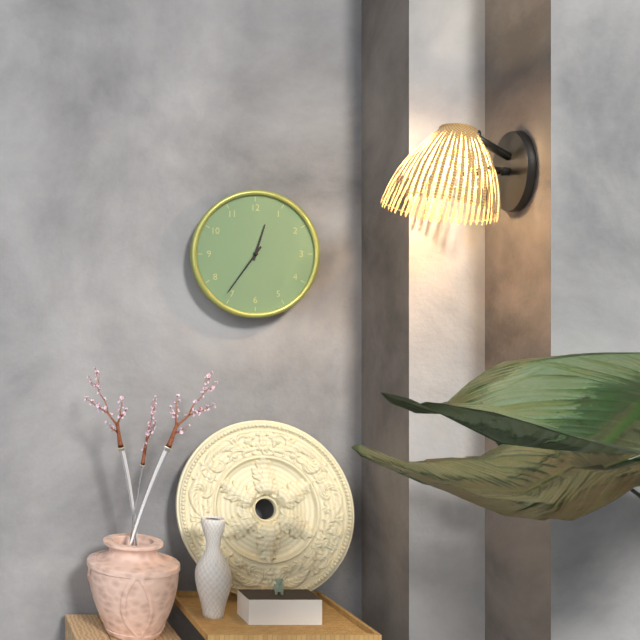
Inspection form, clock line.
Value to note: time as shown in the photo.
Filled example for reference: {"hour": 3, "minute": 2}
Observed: {"hour": 12, "minute": 36}
